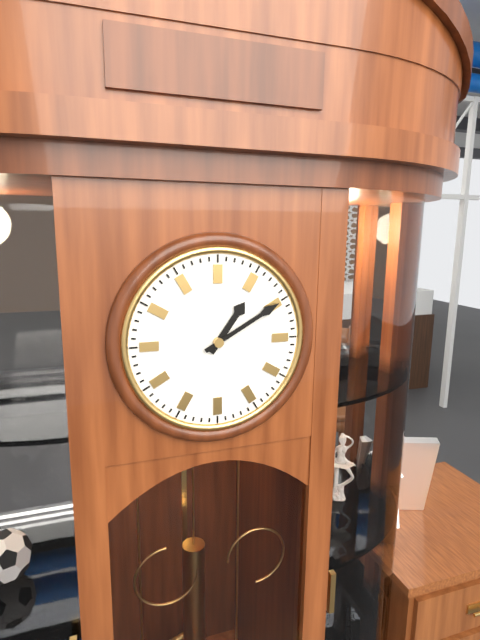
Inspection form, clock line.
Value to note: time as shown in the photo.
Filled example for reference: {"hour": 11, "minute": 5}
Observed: {"hour": 1, "minute": 10}
